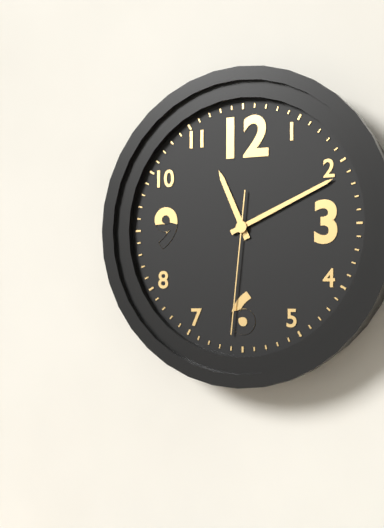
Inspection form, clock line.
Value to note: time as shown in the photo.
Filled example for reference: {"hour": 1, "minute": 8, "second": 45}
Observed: {"hour": 11, "minute": 11, "second": 31}
